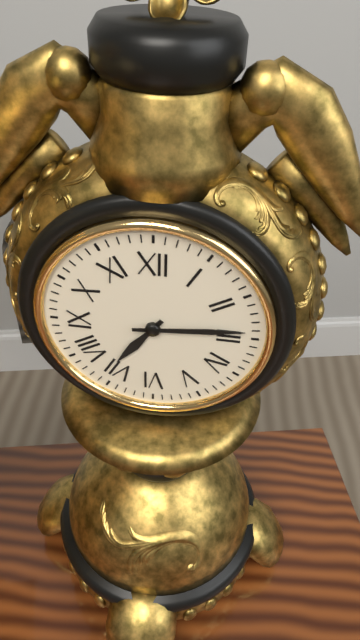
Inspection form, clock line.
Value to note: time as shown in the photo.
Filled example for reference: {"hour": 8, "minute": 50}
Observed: {"hour": 7, "minute": 14}
